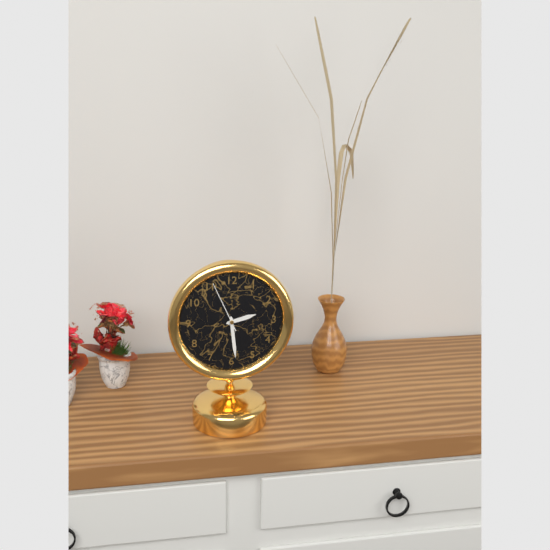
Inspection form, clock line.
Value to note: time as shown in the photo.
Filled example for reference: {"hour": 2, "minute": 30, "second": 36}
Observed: {"hour": 2, "minute": 29, "second": 56}
